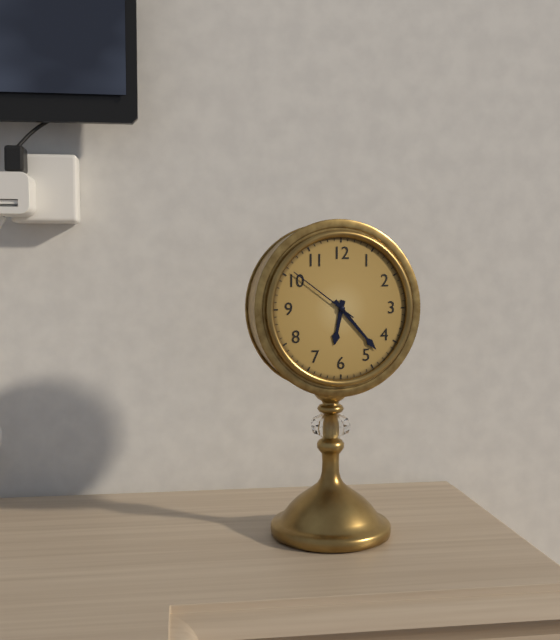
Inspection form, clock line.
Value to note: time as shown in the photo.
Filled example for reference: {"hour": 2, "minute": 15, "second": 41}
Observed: {"hour": 6, "minute": 23, "second": 51}
